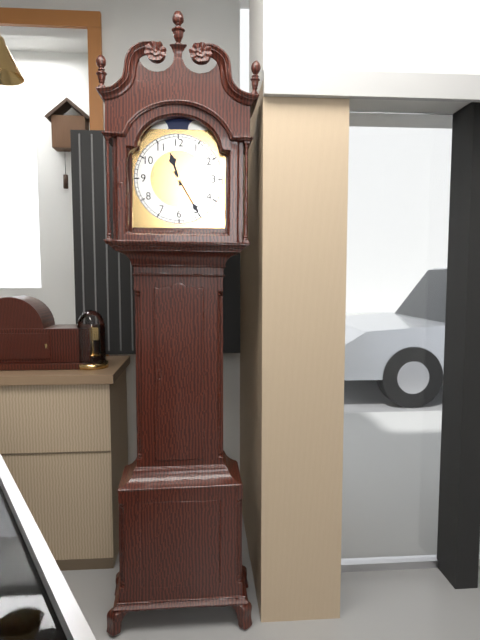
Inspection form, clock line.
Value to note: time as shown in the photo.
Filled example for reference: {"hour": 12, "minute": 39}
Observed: {"hour": 11, "minute": 25}
